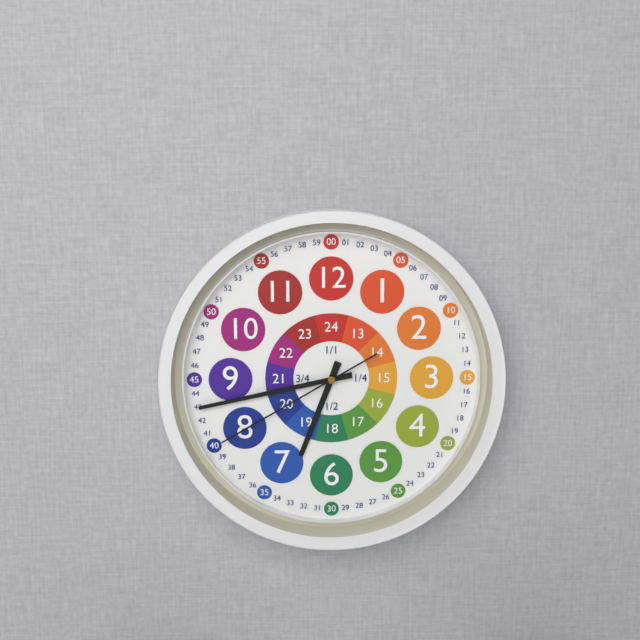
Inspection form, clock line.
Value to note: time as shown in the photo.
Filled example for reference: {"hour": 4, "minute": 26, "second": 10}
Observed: {"hour": 6, "minute": 43, "second": 40}
